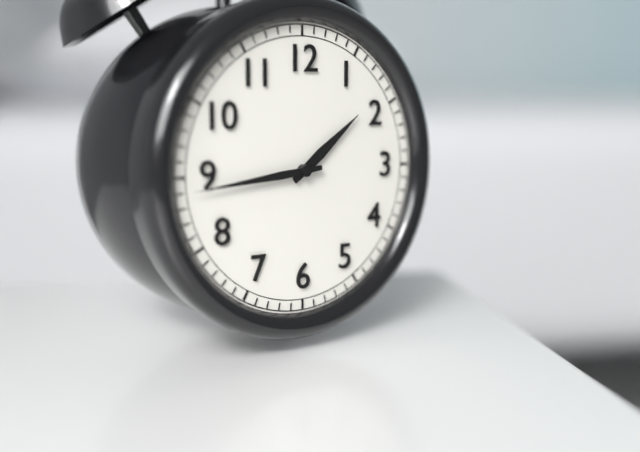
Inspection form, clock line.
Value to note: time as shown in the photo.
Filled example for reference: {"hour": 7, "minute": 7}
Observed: {"hour": 1, "minute": 44}
